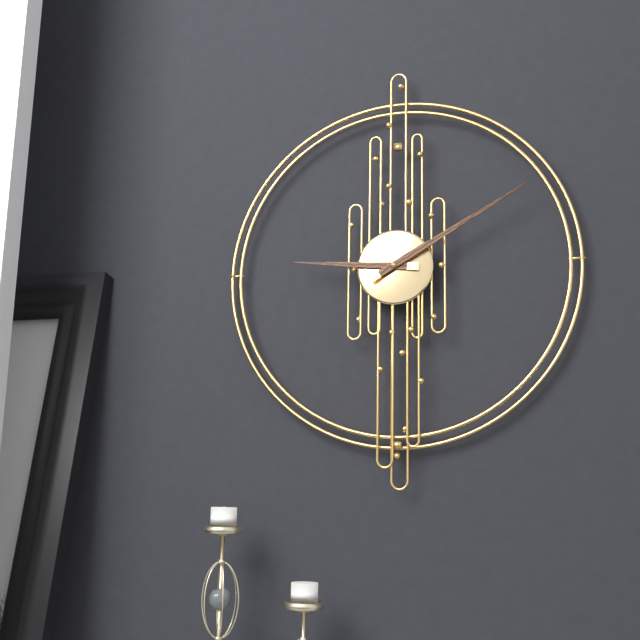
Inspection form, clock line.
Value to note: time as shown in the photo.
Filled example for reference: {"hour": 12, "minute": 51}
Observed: {"hour": 9, "minute": 10}
